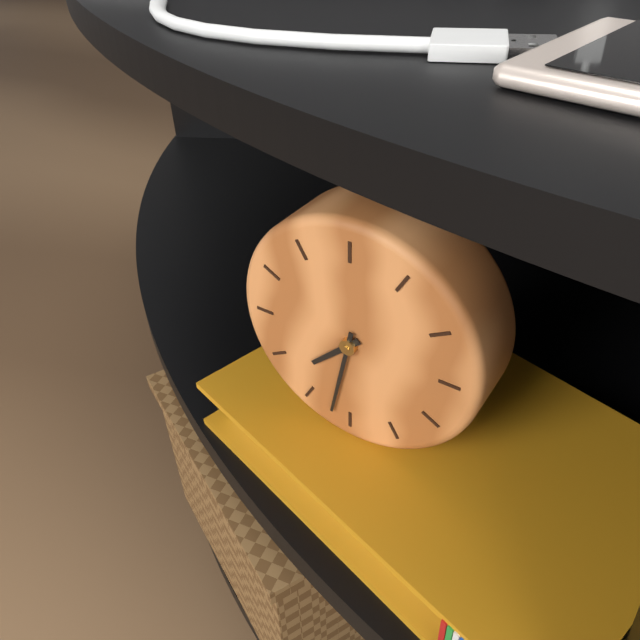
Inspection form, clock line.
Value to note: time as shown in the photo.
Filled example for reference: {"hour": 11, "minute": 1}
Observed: {"hour": 7, "minute": 32}
